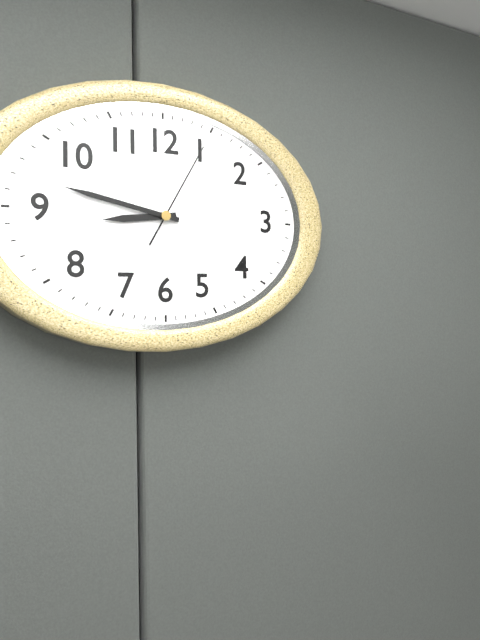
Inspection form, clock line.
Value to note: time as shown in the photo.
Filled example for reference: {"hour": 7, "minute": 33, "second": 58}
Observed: {"hour": 8, "minute": 47, "second": 5}
